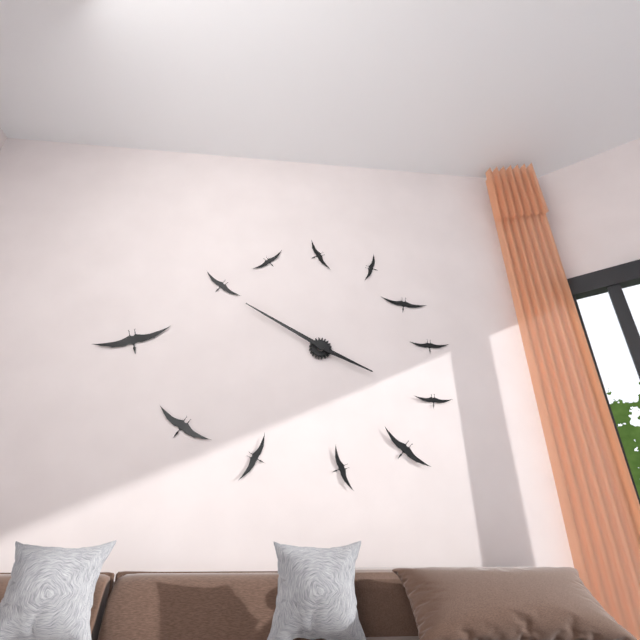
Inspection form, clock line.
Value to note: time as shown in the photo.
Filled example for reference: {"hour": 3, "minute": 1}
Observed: {"hour": 3, "minute": 50}
